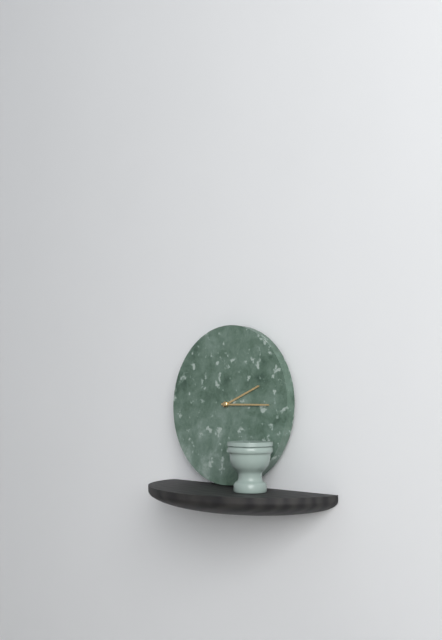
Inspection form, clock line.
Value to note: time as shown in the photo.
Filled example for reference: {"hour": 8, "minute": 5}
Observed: {"hour": 2, "minute": 15}
